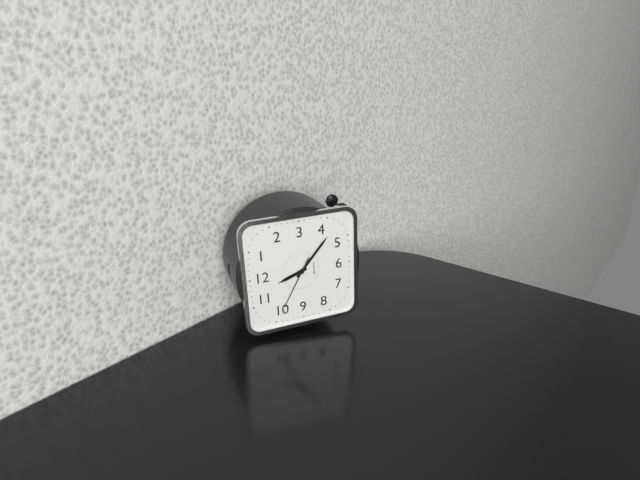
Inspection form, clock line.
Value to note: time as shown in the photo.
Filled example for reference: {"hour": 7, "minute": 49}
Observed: {"hour": 11, "minute": 22}
